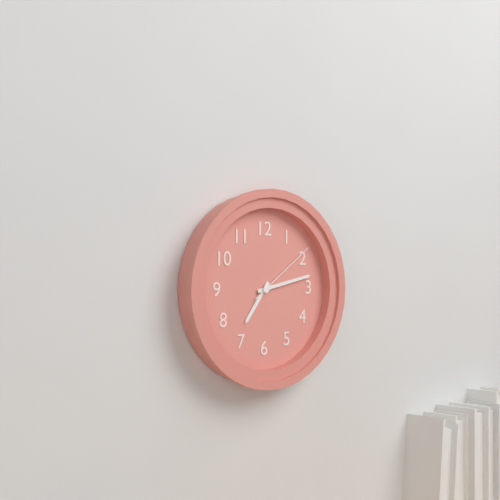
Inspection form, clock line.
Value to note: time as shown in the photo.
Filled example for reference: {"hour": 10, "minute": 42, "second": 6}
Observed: {"hour": 7, "minute": 13, "second": 9}
